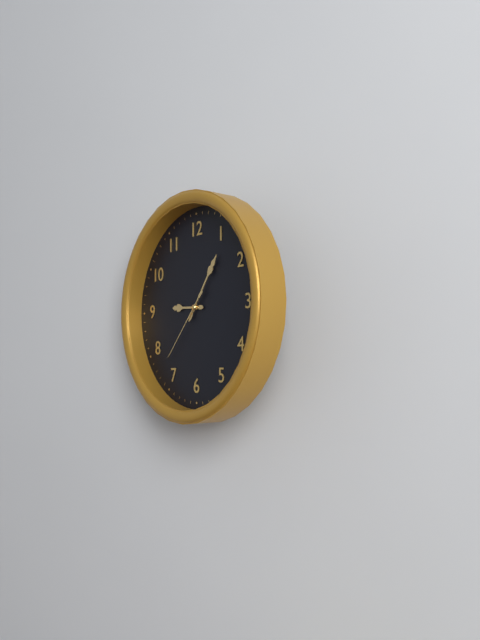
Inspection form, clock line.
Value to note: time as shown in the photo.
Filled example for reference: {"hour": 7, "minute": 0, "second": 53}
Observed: {"hour": 9, "minute": 6, "second": 37}
